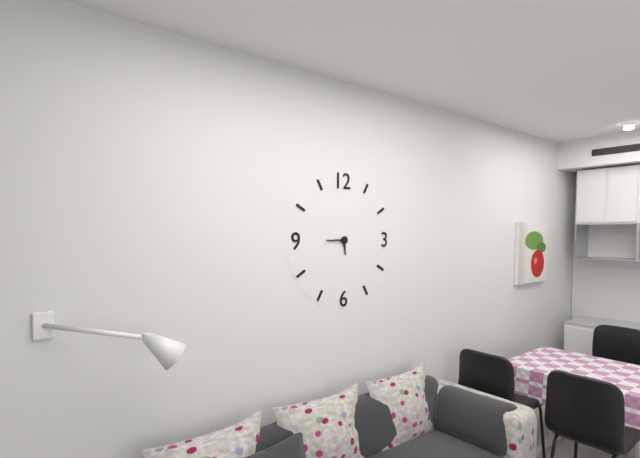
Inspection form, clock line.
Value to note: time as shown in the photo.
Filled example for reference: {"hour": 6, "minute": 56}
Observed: {"hour": 5, "minute": 45}
